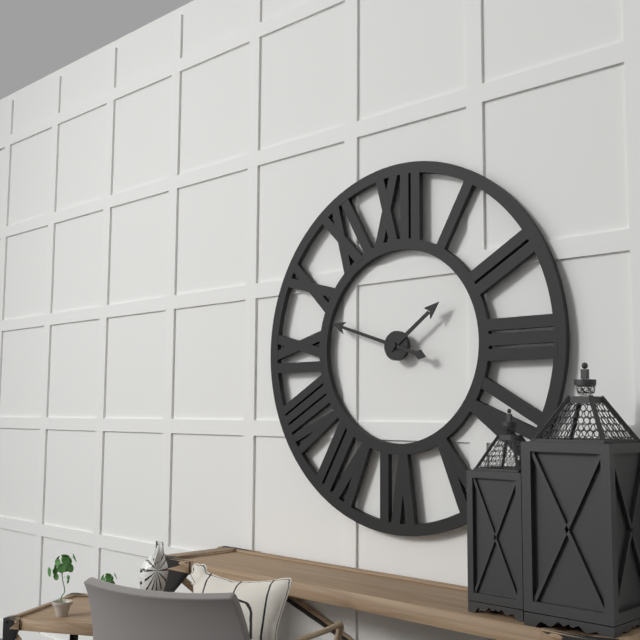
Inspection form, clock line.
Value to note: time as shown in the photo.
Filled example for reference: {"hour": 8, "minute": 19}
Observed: {"hour": 1, "minute": 48}
